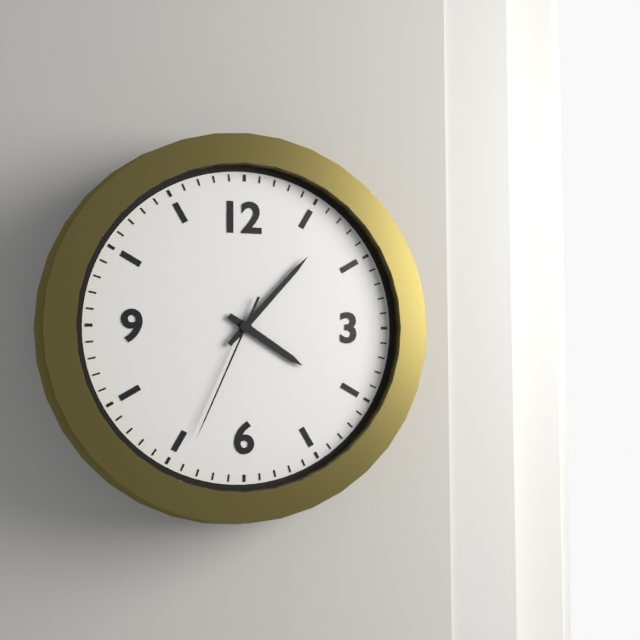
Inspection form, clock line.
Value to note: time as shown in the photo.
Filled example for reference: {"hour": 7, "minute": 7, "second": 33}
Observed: {"hour": 4, "minute": 7, "second": 34}
